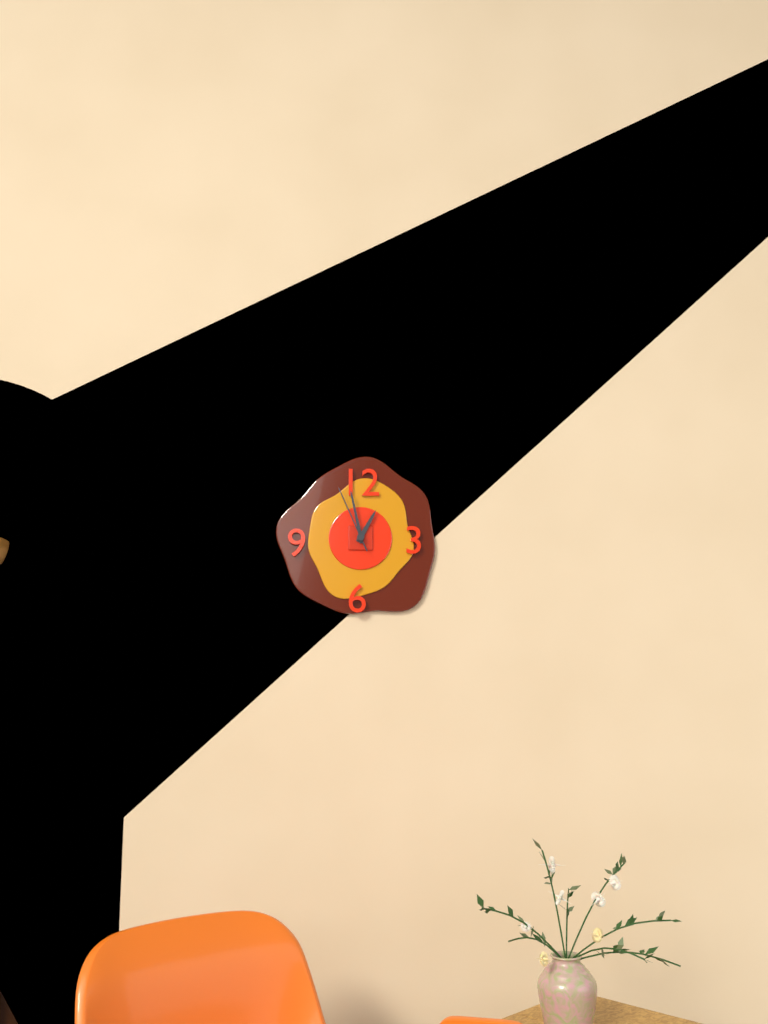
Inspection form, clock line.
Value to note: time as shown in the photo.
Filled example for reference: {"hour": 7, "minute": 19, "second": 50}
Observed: {"hour": 12, "minute": 58, "second": 56}
